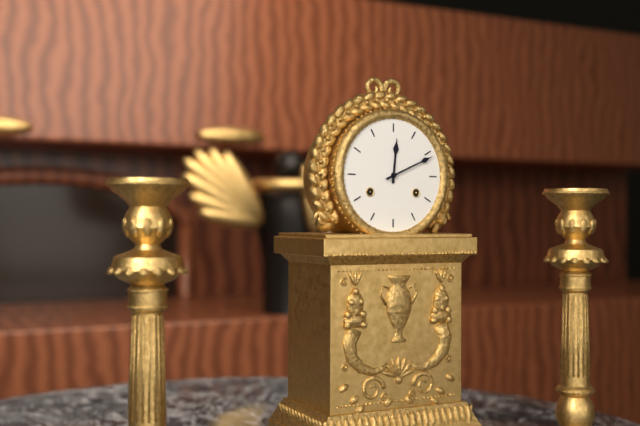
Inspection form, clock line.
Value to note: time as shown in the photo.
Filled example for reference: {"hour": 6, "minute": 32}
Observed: {"hour": 12, "minute": 11}
